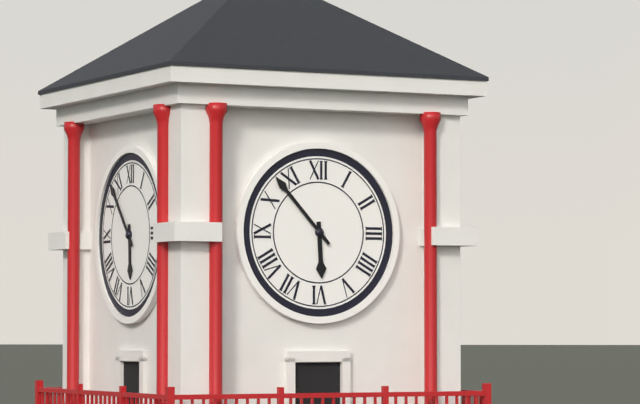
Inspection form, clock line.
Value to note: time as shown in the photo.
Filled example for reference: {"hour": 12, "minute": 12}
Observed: {"hour": 5, "minute": 53}
